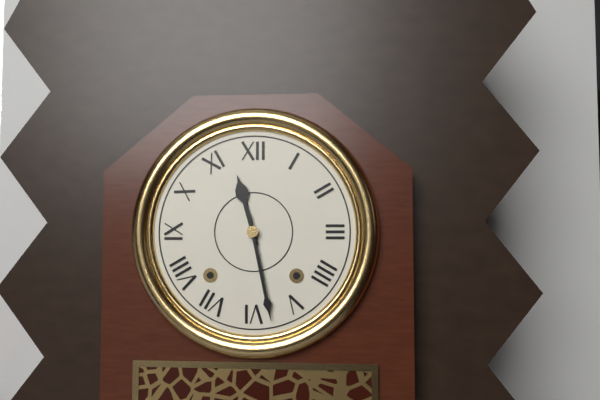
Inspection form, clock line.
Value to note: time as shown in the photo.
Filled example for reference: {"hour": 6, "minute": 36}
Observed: {"hour": 11, "minute": 28}
